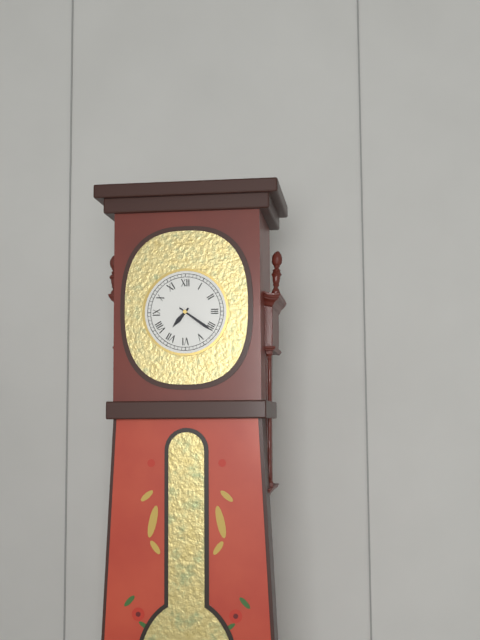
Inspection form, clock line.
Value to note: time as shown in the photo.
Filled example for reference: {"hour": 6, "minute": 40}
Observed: {"hour": 7, "minute": 21}
